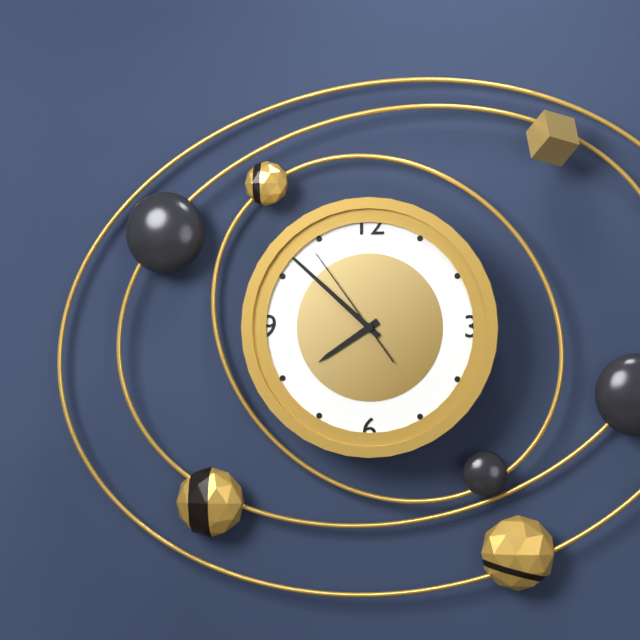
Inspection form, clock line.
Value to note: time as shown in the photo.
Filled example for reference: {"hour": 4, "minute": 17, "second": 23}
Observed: {"hour": 7, "minute": 52, "second": 54}
